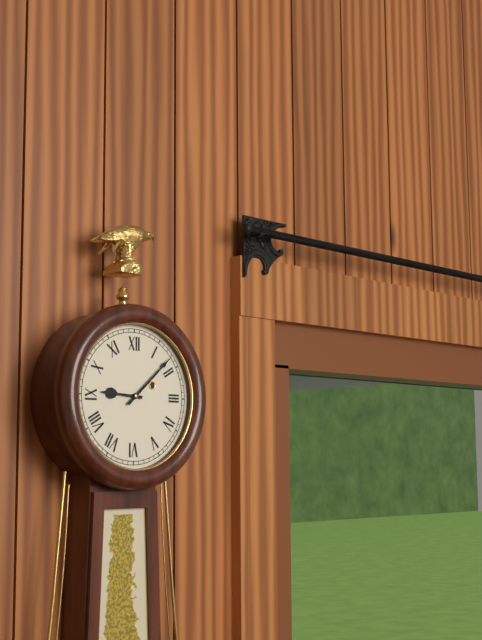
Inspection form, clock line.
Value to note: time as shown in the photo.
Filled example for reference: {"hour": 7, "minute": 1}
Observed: {"hour": 9, "minute": 8}
